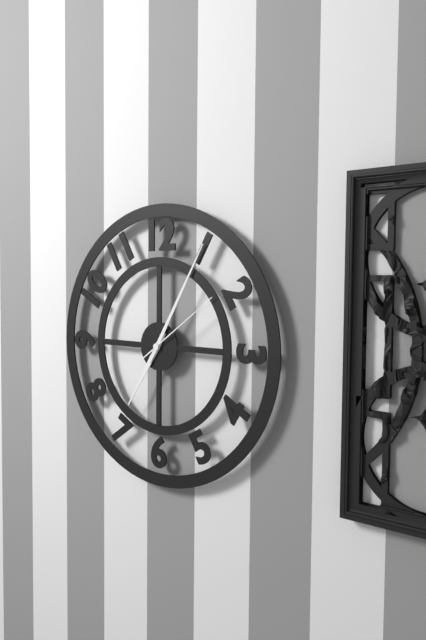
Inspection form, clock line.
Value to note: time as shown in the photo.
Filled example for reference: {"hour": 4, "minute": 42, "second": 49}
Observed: {"hour": 7, "minute": 5, "second": 9}
